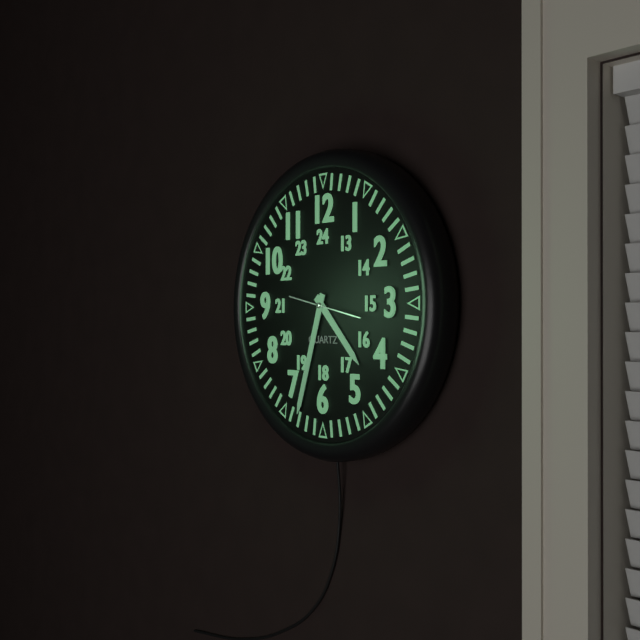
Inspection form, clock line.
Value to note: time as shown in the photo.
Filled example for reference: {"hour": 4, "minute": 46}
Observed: {"hour": 4, "minute": 33}
